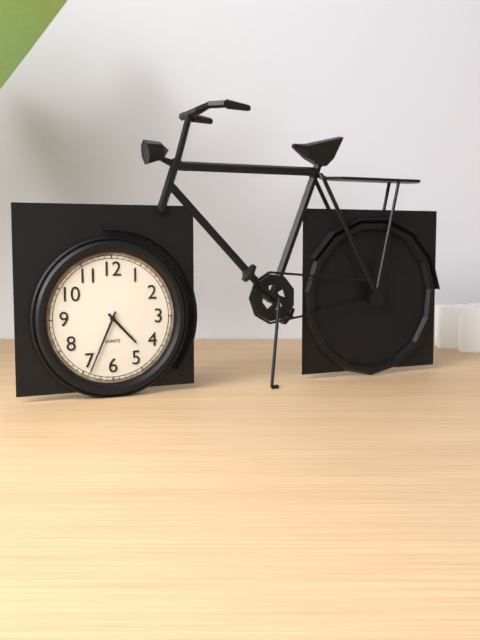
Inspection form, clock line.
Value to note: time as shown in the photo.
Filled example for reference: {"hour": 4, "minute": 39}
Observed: {"hour": 4, "minute": 34}
